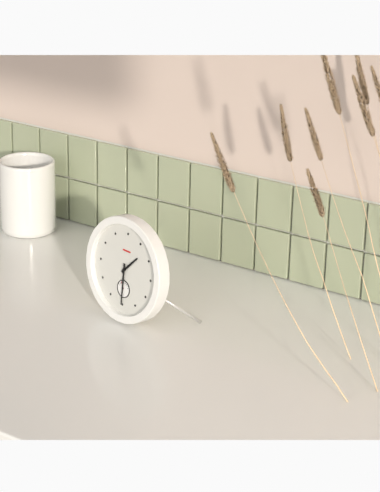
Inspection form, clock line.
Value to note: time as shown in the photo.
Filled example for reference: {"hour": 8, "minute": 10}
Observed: {"hour": 1, "minute": 30}
